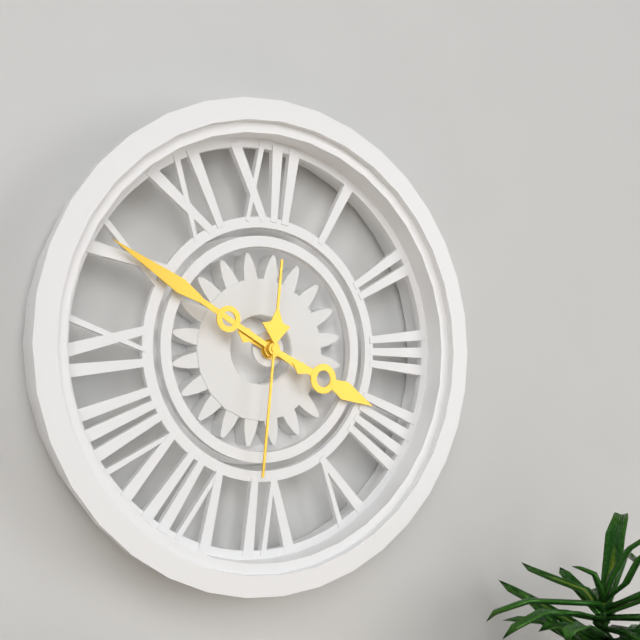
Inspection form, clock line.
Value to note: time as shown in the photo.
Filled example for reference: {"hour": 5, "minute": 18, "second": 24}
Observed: {"hour": 3, "minute": 50, "second": 31}
